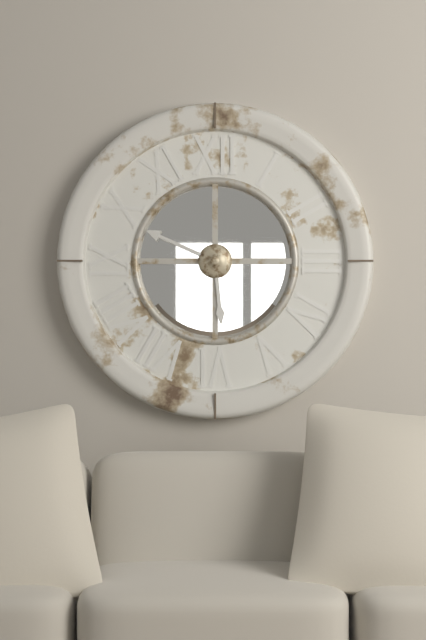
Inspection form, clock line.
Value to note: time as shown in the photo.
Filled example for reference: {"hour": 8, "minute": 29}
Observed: {"hour": 5, "minute": 49}
